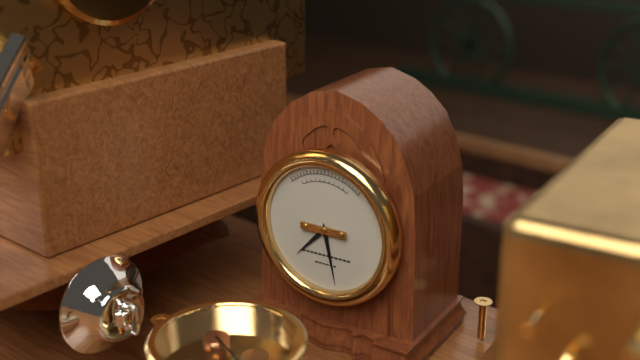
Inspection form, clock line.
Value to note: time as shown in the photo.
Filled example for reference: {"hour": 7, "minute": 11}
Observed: {"hour": 7, "minute": 28}
